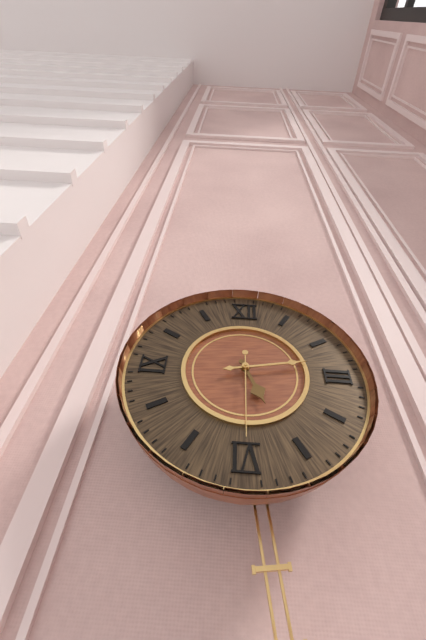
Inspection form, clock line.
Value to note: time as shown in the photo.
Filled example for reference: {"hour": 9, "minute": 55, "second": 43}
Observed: {"hour": 5, "minute": 13, "second": 30}
